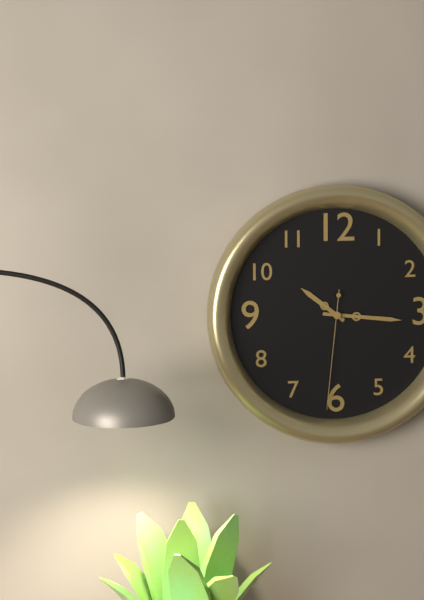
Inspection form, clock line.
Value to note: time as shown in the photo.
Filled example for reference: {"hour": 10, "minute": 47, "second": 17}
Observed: {"hour": 10, "minute": 16, "second": 31}
